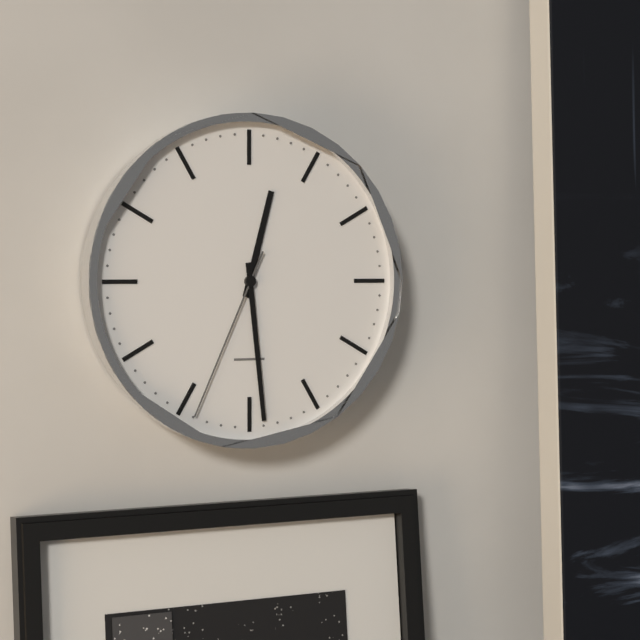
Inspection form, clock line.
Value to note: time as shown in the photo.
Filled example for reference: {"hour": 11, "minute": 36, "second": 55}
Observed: {"hour": 12, "minute": 29, "second": 34}
